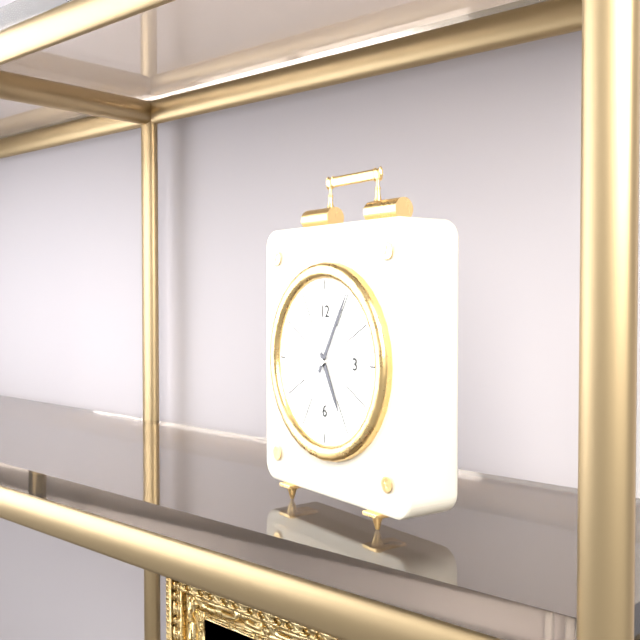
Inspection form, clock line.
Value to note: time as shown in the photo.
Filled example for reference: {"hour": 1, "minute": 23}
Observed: {"hour": 5, "minute": 5}
